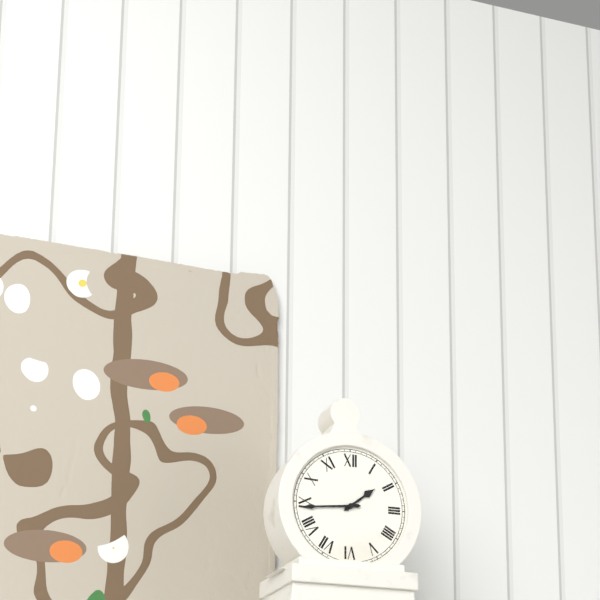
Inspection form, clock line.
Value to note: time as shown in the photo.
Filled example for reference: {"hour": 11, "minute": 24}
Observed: {"hour": 1, "minute": 44}
